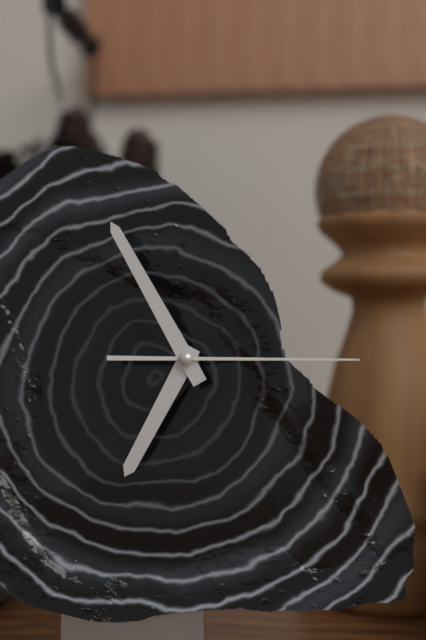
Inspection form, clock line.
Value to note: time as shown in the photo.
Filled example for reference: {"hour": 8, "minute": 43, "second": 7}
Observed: {"hour": 6, "minute": 55, "second": 15}
